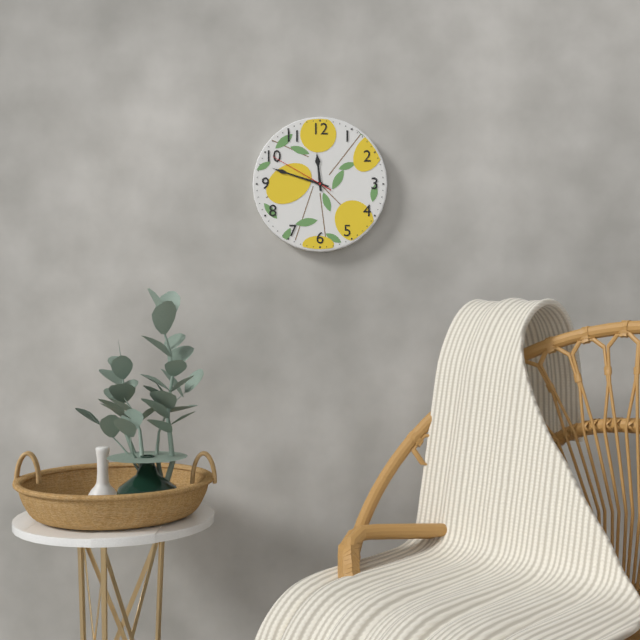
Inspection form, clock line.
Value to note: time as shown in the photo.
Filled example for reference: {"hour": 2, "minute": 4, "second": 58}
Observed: {"hour": 11, "minute": 48, "second": 50}
